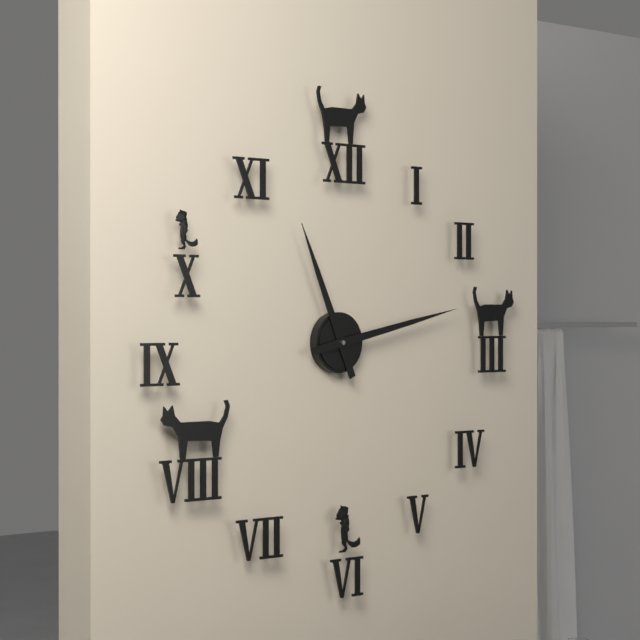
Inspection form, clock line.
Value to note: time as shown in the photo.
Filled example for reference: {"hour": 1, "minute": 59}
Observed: {"hour": 11, "minute": 13}
